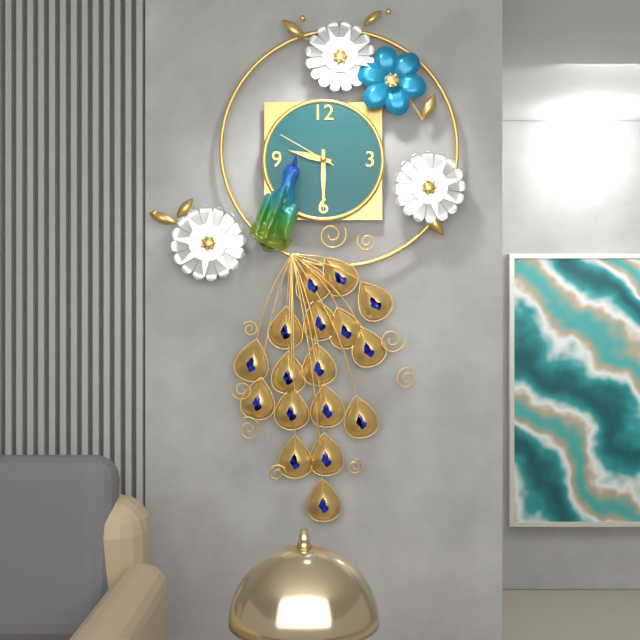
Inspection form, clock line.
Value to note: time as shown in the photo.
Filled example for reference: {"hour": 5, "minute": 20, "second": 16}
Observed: {"hour": 9, "minute": 30, "second": 50}
